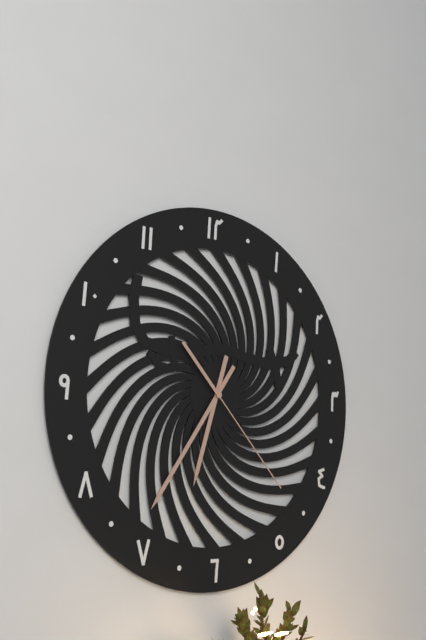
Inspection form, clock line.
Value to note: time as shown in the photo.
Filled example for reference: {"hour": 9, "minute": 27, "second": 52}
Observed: {"hour": 6, "minute": 36, "second": 23}
